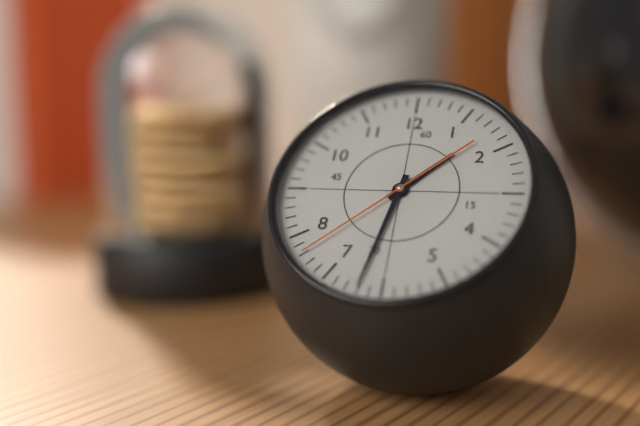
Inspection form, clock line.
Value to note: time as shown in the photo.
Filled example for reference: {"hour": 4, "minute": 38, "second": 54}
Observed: {"hour": 1, "minute": 32, "second": 38}
